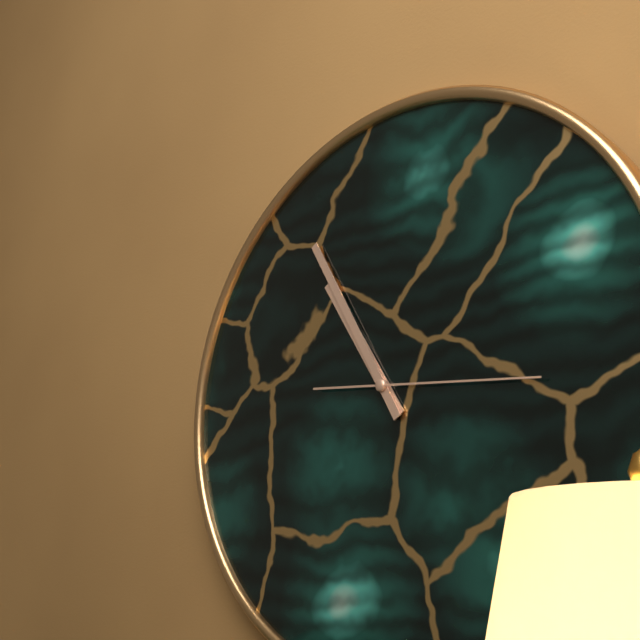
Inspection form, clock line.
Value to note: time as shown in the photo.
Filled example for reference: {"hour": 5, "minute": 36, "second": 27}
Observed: {"hour": 10, "minute": 55, "second": 16}
